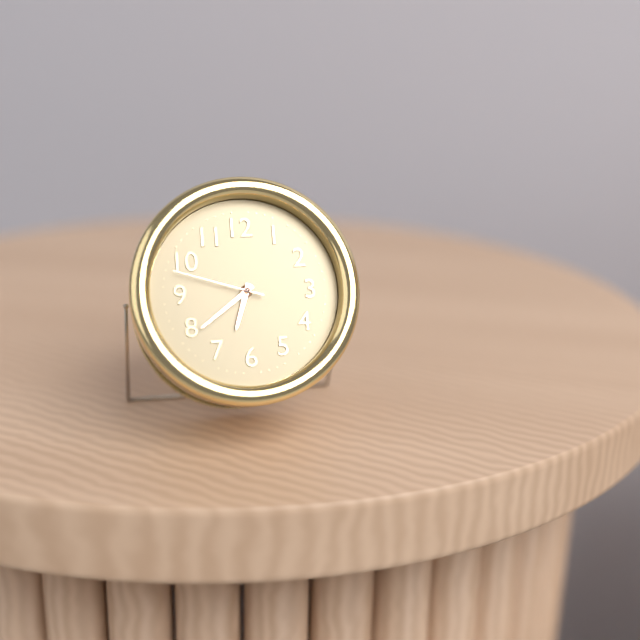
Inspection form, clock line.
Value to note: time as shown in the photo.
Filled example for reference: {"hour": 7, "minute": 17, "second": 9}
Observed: {"hour": 6, "minute": 39, "second": 48}
